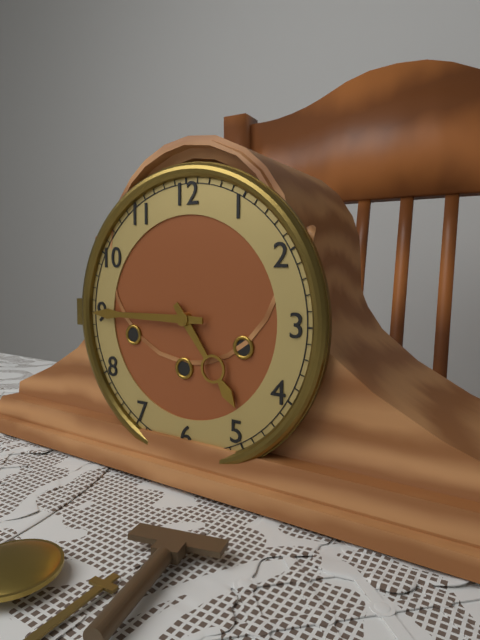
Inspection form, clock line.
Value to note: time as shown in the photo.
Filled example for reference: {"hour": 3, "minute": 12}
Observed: {"hour": 4, "minute": 45}
